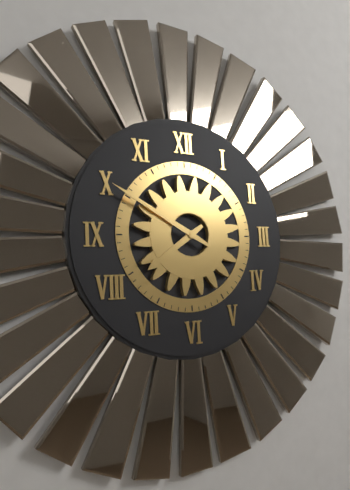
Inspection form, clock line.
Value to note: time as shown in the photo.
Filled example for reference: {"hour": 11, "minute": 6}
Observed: {"hour": 7, "minute": 50}
